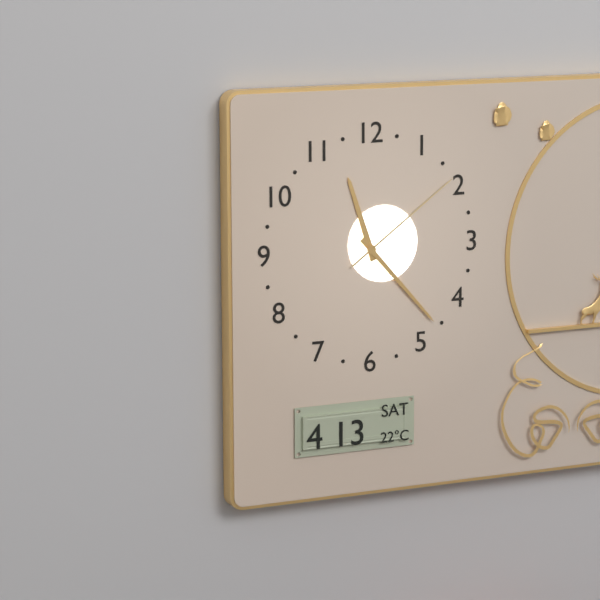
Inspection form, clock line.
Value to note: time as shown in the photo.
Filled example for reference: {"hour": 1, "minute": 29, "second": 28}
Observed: {"hour": 11, "minute": 23, "second": 9}
